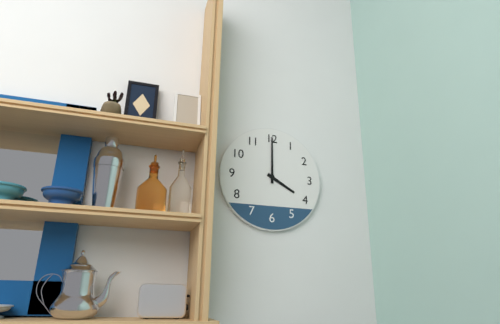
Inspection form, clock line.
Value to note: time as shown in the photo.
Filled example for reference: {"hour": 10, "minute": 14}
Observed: {"hour": 4, "minute": 0}
